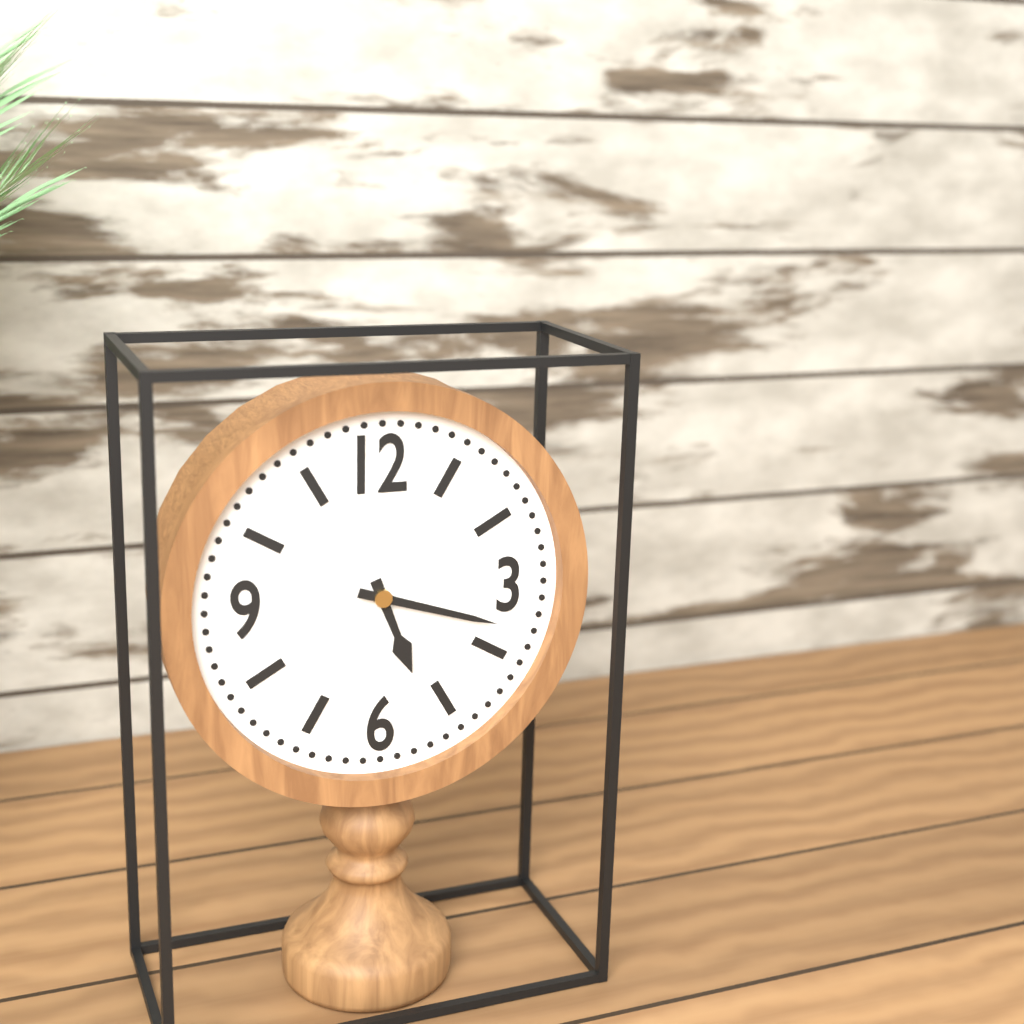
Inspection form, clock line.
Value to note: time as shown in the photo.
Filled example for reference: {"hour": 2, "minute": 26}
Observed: {"hour": 5, "minute": 18}
